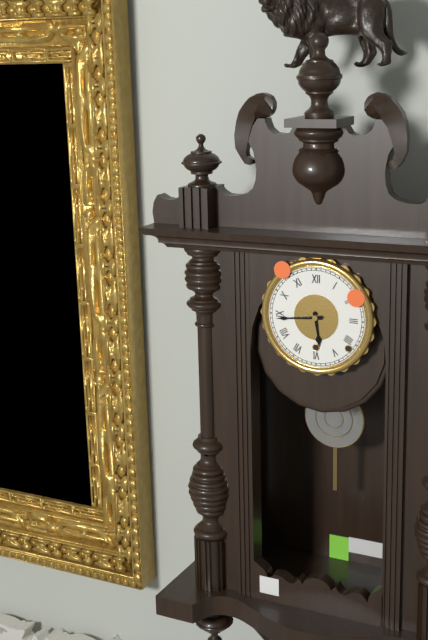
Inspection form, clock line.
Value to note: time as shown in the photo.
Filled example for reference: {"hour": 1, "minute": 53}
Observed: {"hour": 5, "minute": 44}
